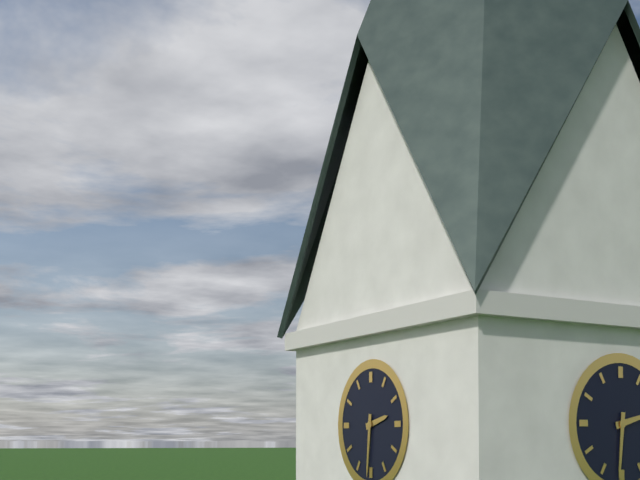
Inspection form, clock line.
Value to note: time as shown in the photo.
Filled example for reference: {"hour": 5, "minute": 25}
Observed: {"hour": 2, "minute": 31}
